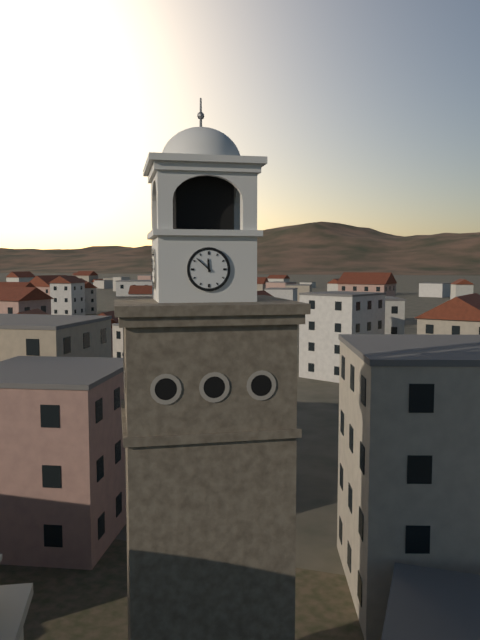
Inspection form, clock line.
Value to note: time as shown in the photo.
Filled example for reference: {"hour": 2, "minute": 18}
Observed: {"hour": 11, "minute": 52}
